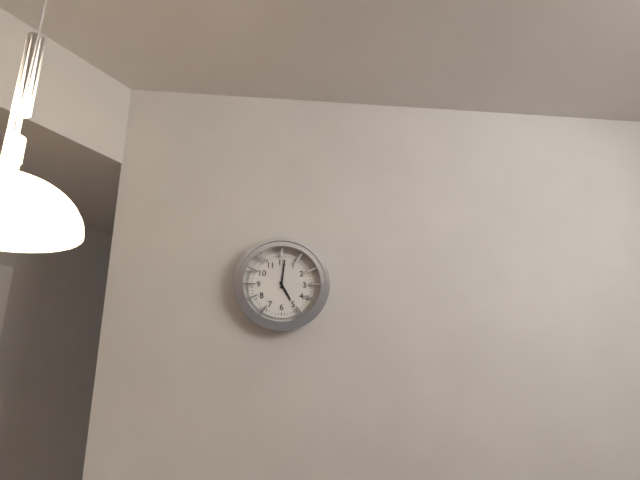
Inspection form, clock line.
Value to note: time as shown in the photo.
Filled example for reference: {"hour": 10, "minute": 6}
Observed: {"hour": 5, "minute": 1}
